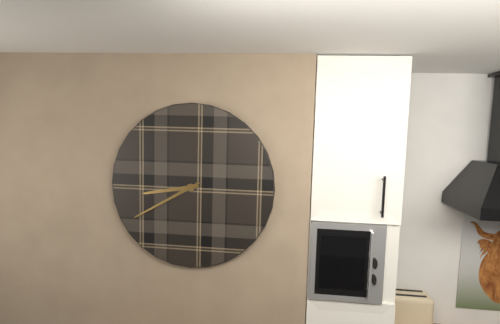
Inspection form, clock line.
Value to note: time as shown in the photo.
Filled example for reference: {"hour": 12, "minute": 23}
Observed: {"hour": 8, "minute": 40}
